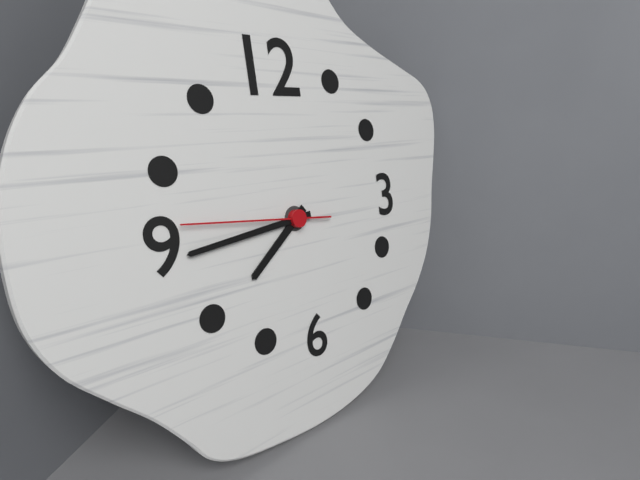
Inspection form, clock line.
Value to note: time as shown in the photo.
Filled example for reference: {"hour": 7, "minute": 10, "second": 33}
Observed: {"hour": 7, "minute": 44, "second": 46}
